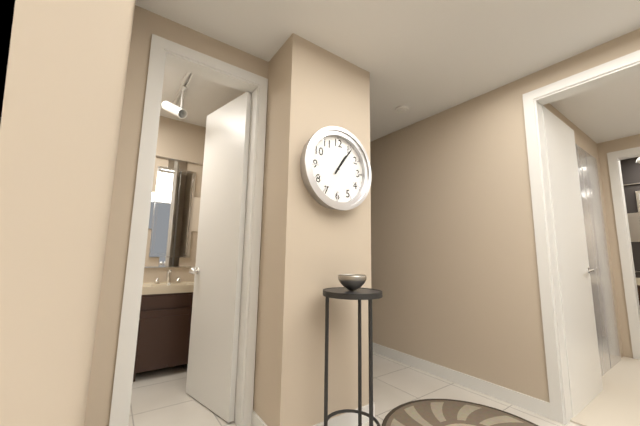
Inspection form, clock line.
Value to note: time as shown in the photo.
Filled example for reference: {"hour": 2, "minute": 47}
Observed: {"hour": 1, "minute": 6}
